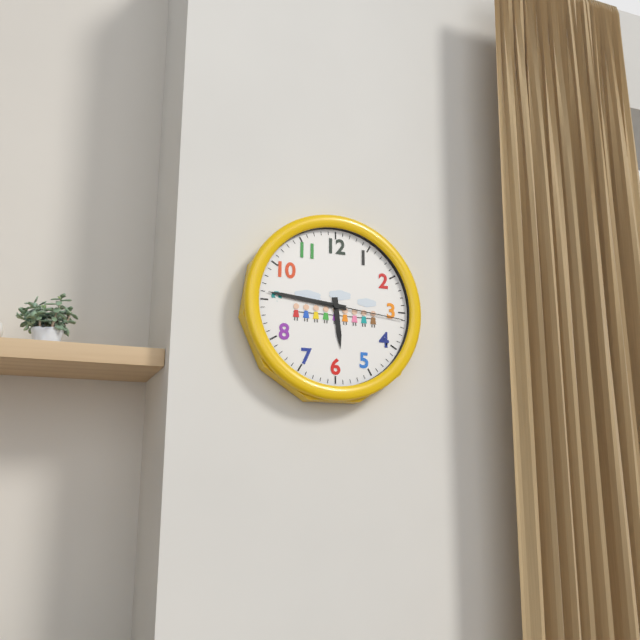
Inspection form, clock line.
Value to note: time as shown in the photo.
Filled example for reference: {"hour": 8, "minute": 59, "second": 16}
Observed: {"hour": 5, "minute": 46, "second": 16}
